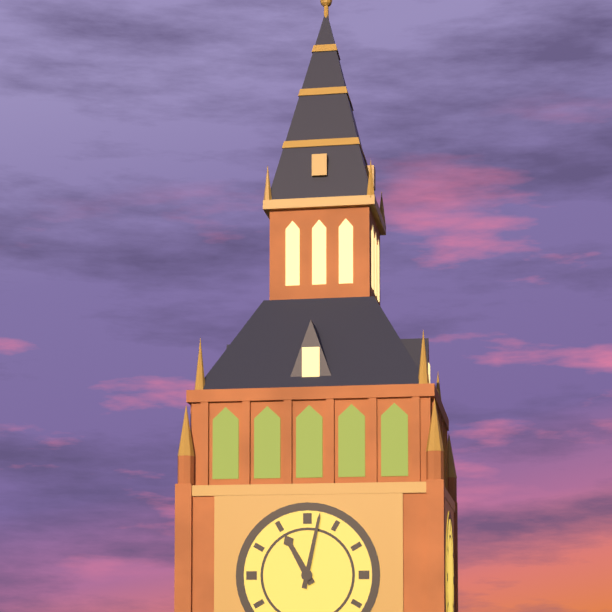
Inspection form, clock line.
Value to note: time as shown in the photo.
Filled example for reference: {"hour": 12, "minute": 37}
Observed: {"hour": 11, "minute": 2}
